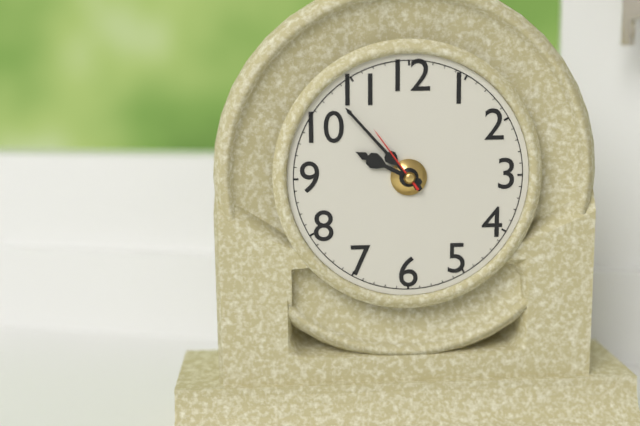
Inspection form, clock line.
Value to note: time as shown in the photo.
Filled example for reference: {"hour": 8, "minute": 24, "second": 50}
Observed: {"hour": 9, "minute": 53, "second": 54}
